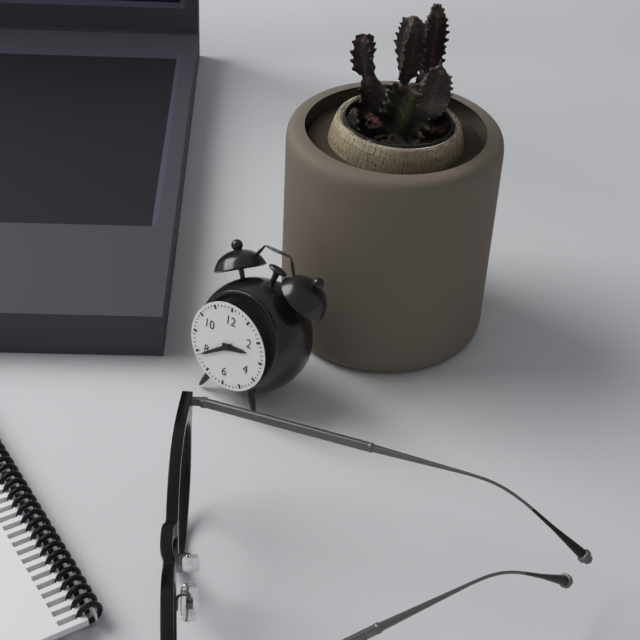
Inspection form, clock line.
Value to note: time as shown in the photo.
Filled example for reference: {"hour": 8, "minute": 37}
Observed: {"hour": 2, "minute": 39}
